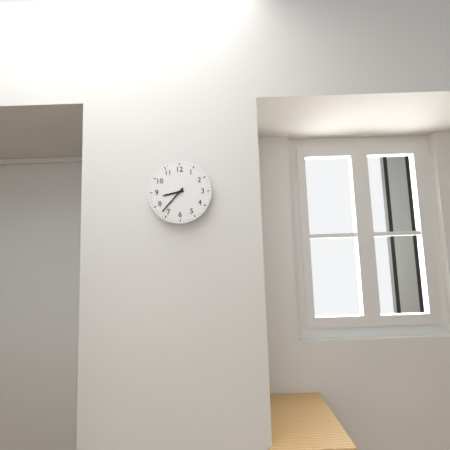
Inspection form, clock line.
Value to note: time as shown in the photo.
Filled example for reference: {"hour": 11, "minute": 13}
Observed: {"hour": 8, "minute": 37}
